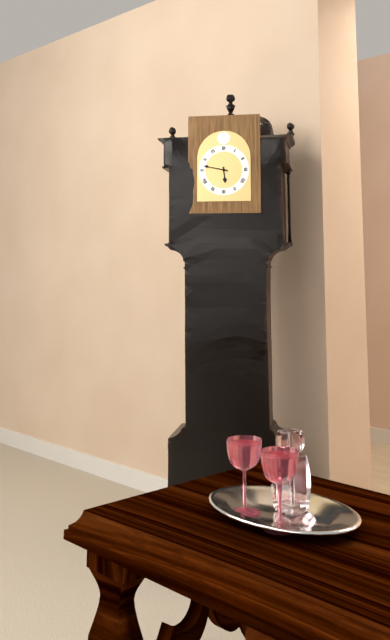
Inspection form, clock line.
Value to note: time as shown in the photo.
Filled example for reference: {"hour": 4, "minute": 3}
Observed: {"hour": 5, "minute": 47}
